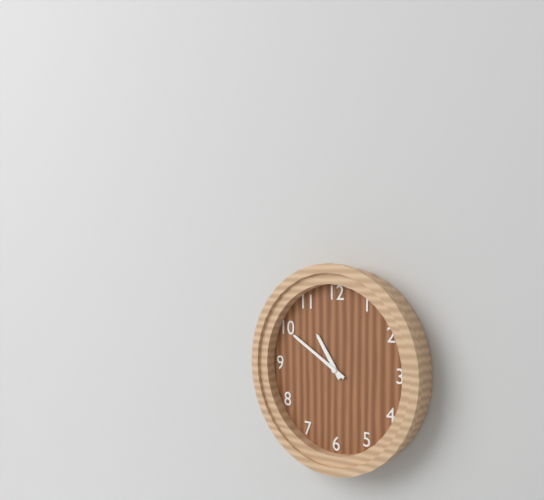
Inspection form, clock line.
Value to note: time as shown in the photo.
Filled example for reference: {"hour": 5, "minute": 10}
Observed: {"hour": 10, "minute": 50}
